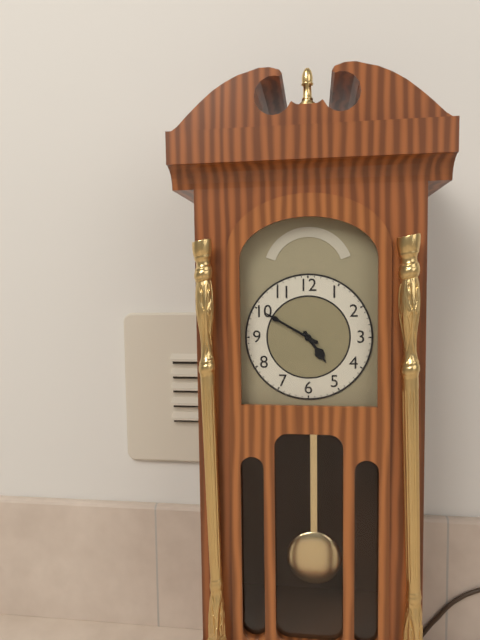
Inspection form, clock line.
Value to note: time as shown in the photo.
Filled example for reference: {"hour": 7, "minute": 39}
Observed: {"hour": 4, "minute": 50}
